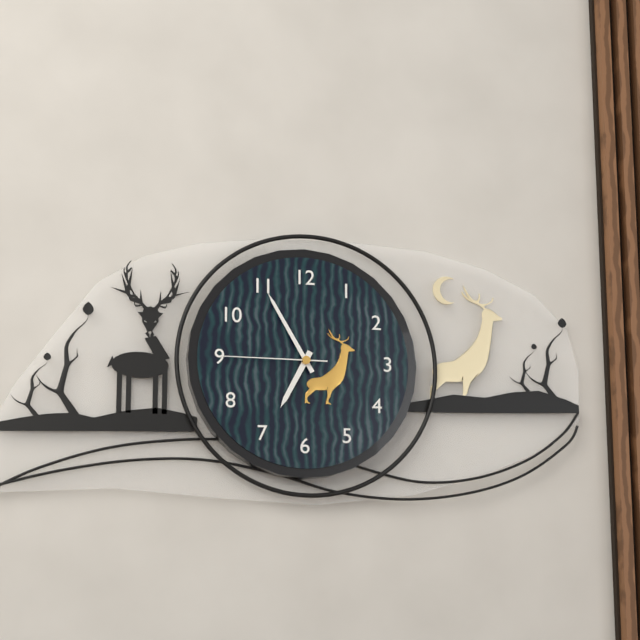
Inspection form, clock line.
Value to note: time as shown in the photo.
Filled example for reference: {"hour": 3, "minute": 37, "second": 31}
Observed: {"hour": 6, "minute": 55, "second": 45}
